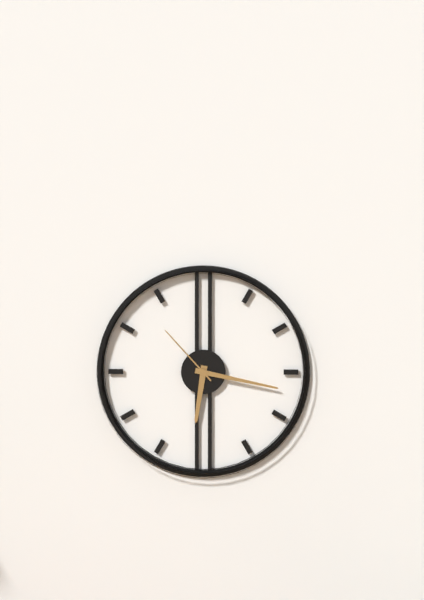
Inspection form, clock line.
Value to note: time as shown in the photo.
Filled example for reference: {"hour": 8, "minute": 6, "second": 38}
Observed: {"hour": 6, "minute": 17, "second": 53}
